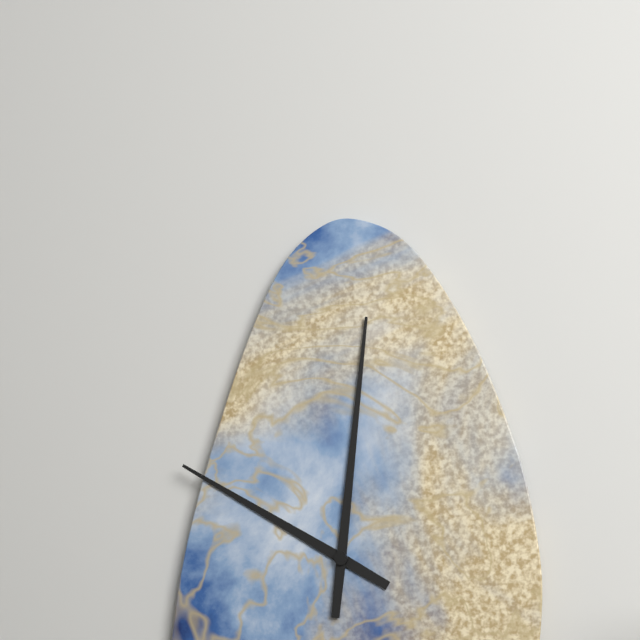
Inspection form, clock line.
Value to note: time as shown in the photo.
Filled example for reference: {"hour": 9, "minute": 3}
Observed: {"hour": 10, "minute": 1}
